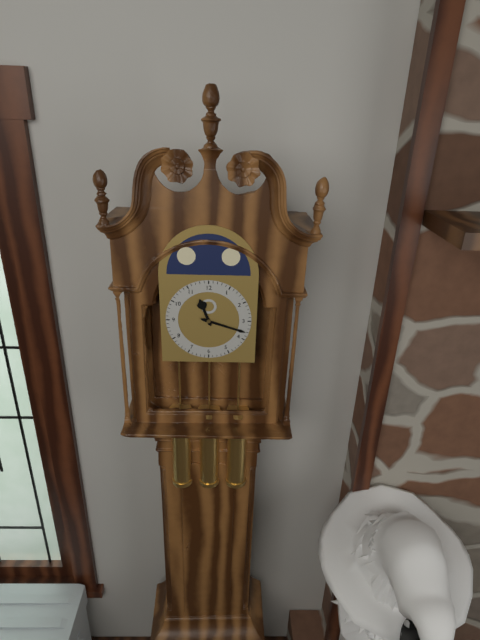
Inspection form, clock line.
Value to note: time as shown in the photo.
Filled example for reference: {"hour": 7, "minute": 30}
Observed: {"hour": 11, "minute": 18}
